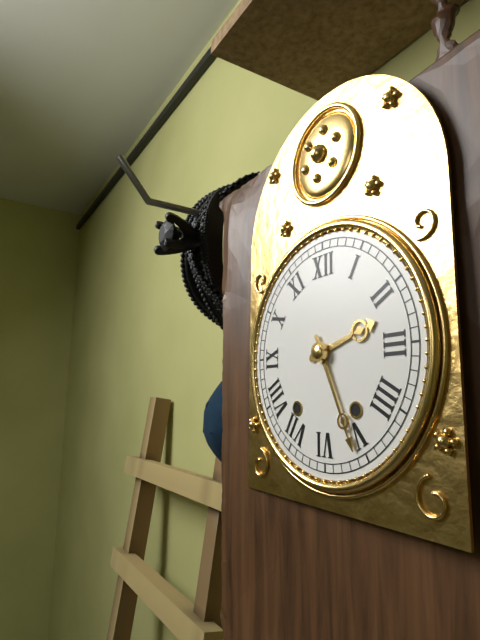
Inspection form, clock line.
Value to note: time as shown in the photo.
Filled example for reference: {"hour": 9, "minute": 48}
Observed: {"hour": 2, "minute": 26}
